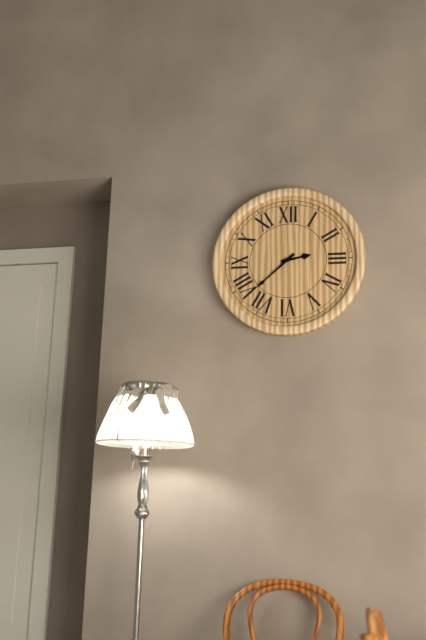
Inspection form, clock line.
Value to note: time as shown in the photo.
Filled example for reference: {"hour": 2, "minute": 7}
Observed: {"hour": 2, "minute": 38}
